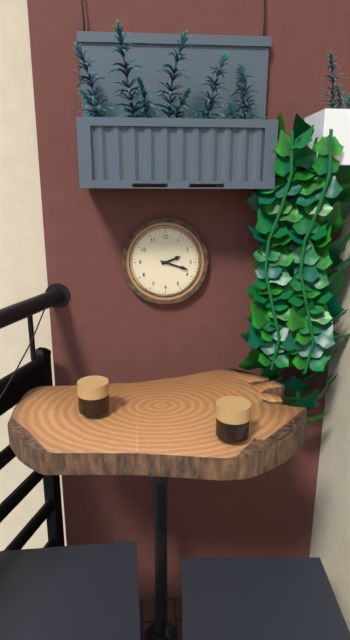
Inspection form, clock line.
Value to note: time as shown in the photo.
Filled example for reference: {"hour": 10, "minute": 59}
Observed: {"hour": 2, "minute": 18}
